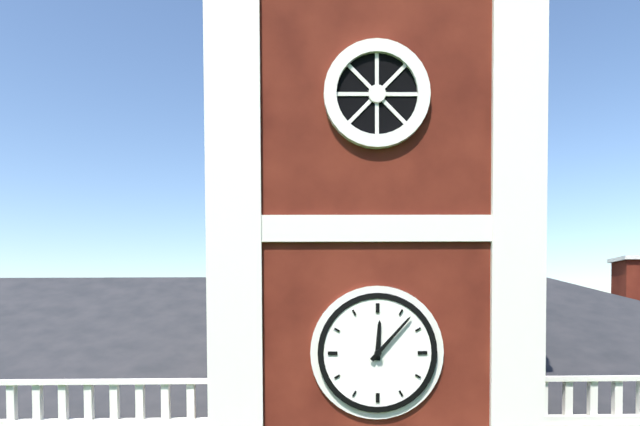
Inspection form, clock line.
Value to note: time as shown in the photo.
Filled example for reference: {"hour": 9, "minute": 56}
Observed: {"hour": 12, "minute": 7}
